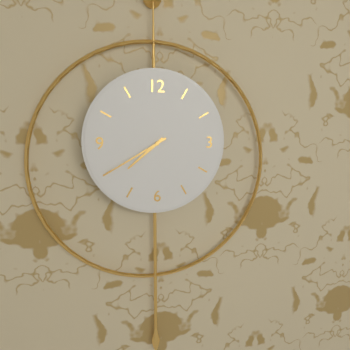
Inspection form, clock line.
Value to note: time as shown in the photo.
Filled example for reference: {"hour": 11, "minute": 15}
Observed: {"hour": 7, "minute": 40}
